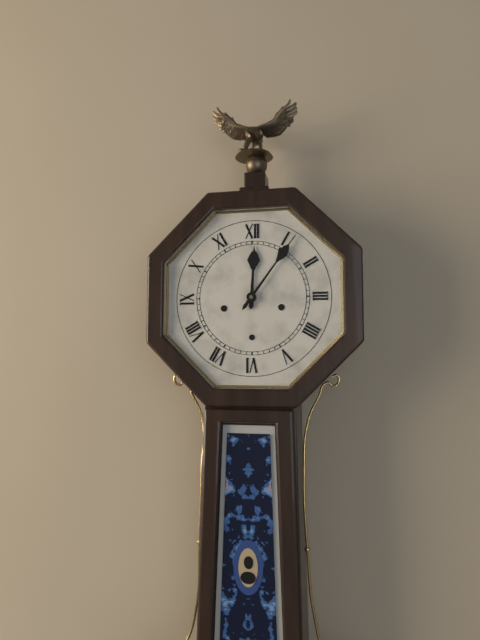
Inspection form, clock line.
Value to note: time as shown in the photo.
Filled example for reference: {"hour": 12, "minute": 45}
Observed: {"hour": 12, "minute": 6}
